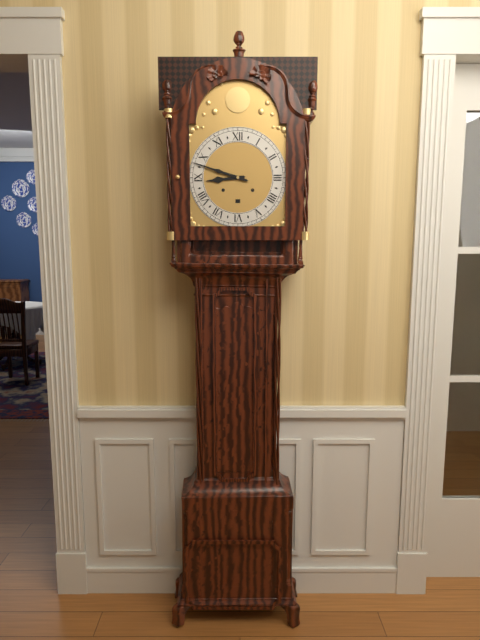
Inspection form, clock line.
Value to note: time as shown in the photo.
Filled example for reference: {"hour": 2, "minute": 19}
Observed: {"hour": 8, "minute": 48}
